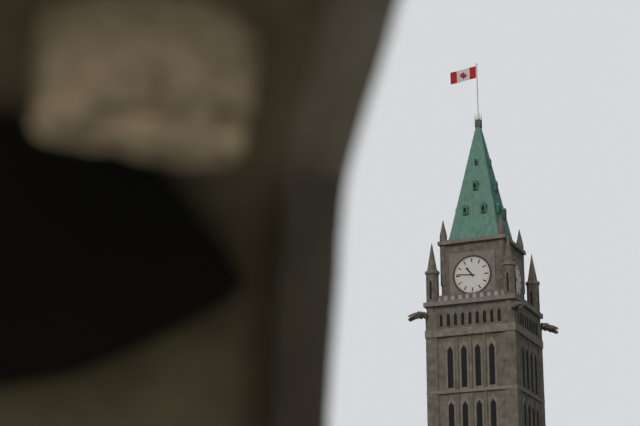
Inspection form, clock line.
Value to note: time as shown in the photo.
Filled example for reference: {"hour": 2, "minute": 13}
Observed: {"hour": 10, "minute": 46}
